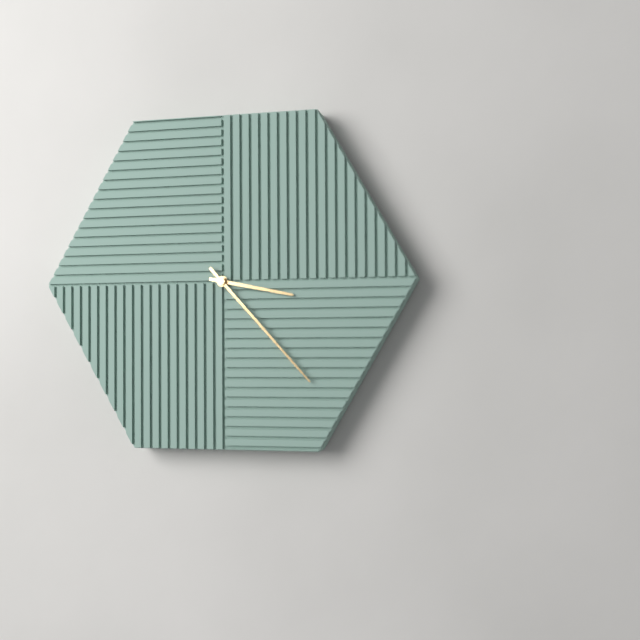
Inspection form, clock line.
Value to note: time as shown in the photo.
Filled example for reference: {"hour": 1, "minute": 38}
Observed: {"hour": 3, "minute": 23}
